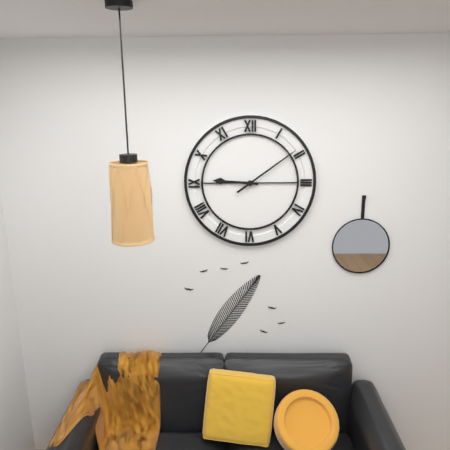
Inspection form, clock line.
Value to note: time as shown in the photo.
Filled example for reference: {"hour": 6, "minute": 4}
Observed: {"hour": 9, "minute": 9}
